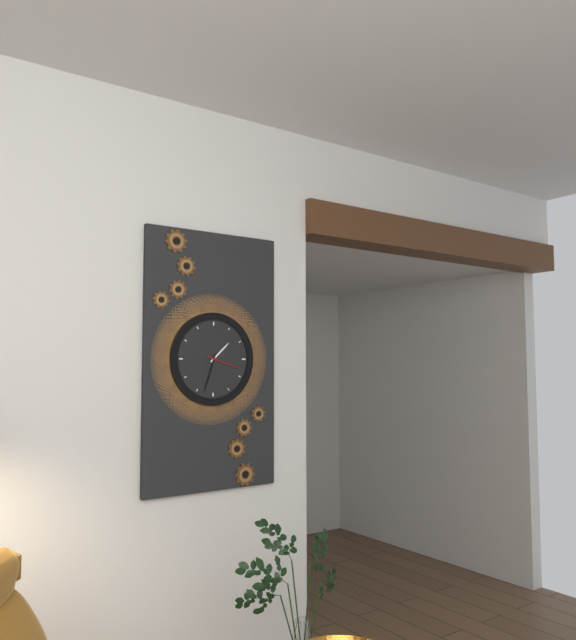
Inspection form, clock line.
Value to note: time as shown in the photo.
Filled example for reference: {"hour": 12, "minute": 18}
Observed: {"hour": 1, "minute": 33}
